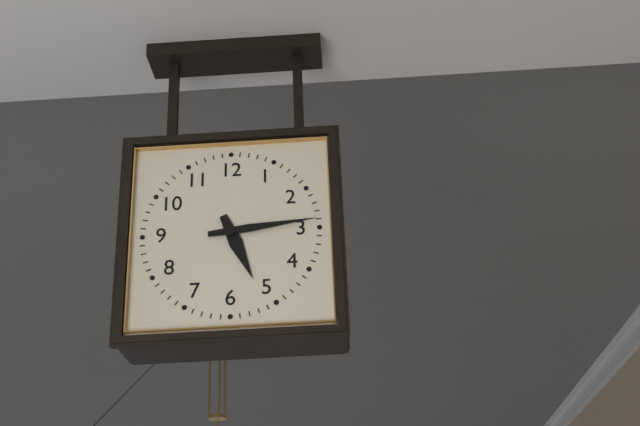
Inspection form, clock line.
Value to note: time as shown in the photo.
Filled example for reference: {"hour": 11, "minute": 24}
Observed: {"hour": 5, "minute": 14}
